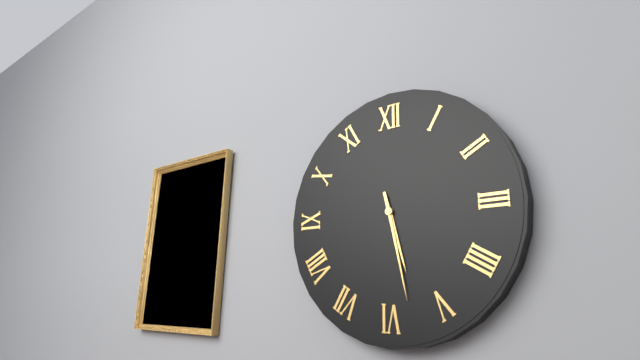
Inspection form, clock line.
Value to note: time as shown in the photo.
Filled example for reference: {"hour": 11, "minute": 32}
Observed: {"hour": 5, "minute": 28}
